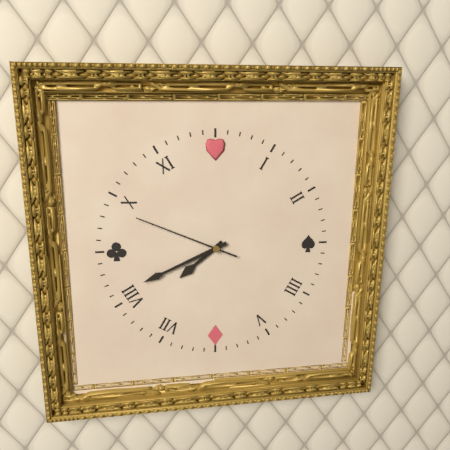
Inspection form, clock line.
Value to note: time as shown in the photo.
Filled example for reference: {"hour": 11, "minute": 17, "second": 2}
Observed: {"hour": 7, "minute": 41, "second": 49}
